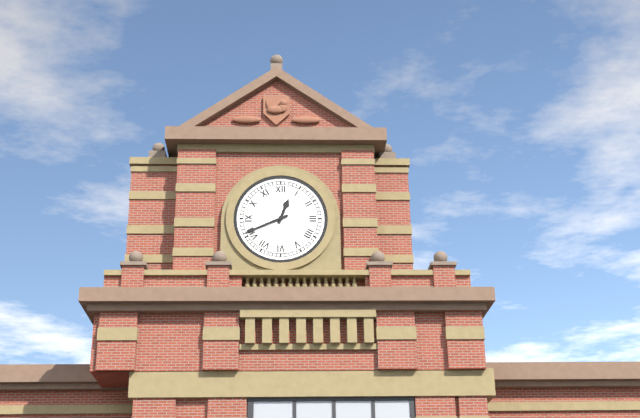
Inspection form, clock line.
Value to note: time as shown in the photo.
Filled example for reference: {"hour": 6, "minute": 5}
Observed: {"hour": 12, "minute": 41}
